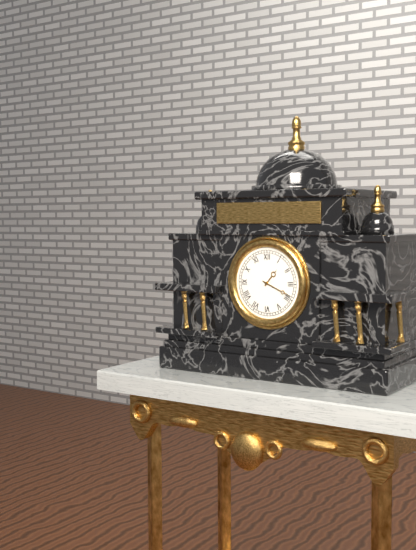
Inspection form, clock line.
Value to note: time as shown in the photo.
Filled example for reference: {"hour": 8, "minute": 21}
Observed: {"hour": 1, "minute": 19}
